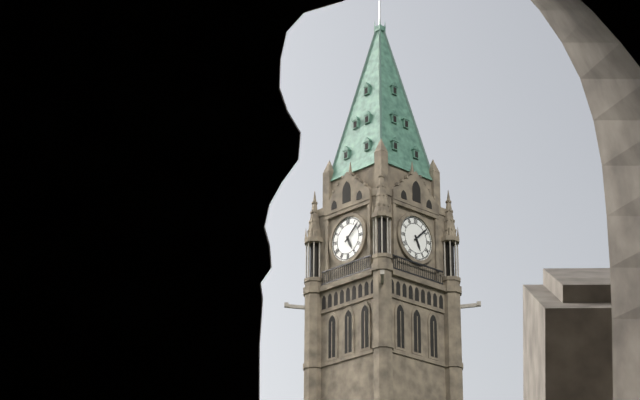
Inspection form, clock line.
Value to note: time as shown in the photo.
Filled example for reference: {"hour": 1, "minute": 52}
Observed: {"hour": 5, "minute": 8}
